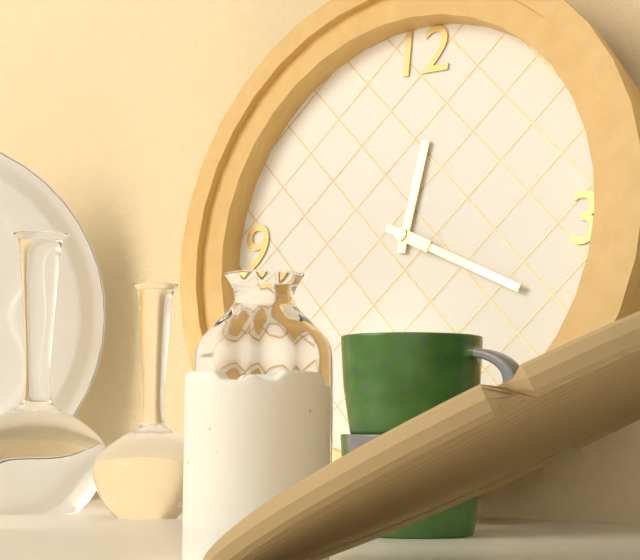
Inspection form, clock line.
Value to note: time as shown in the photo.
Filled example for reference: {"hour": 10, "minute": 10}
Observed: {"hour": 12, "minute": 19}
